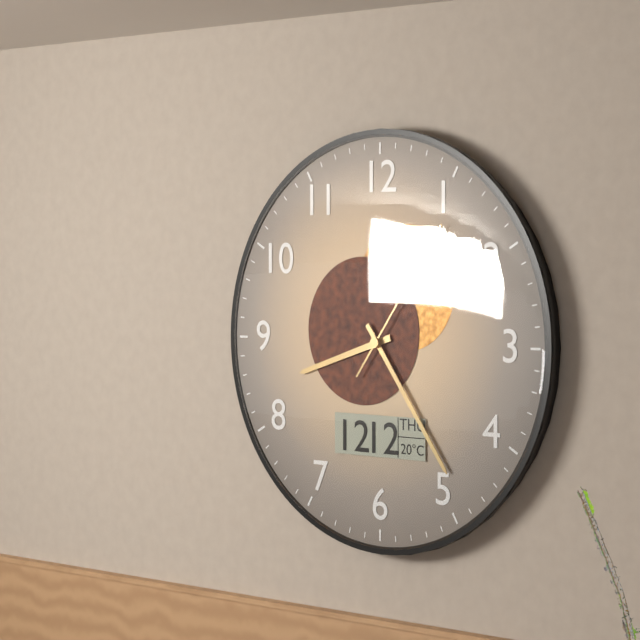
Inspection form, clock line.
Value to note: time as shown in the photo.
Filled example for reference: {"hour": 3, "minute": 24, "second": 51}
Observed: {"hour": 8, "minute": 24, "second": 6}
